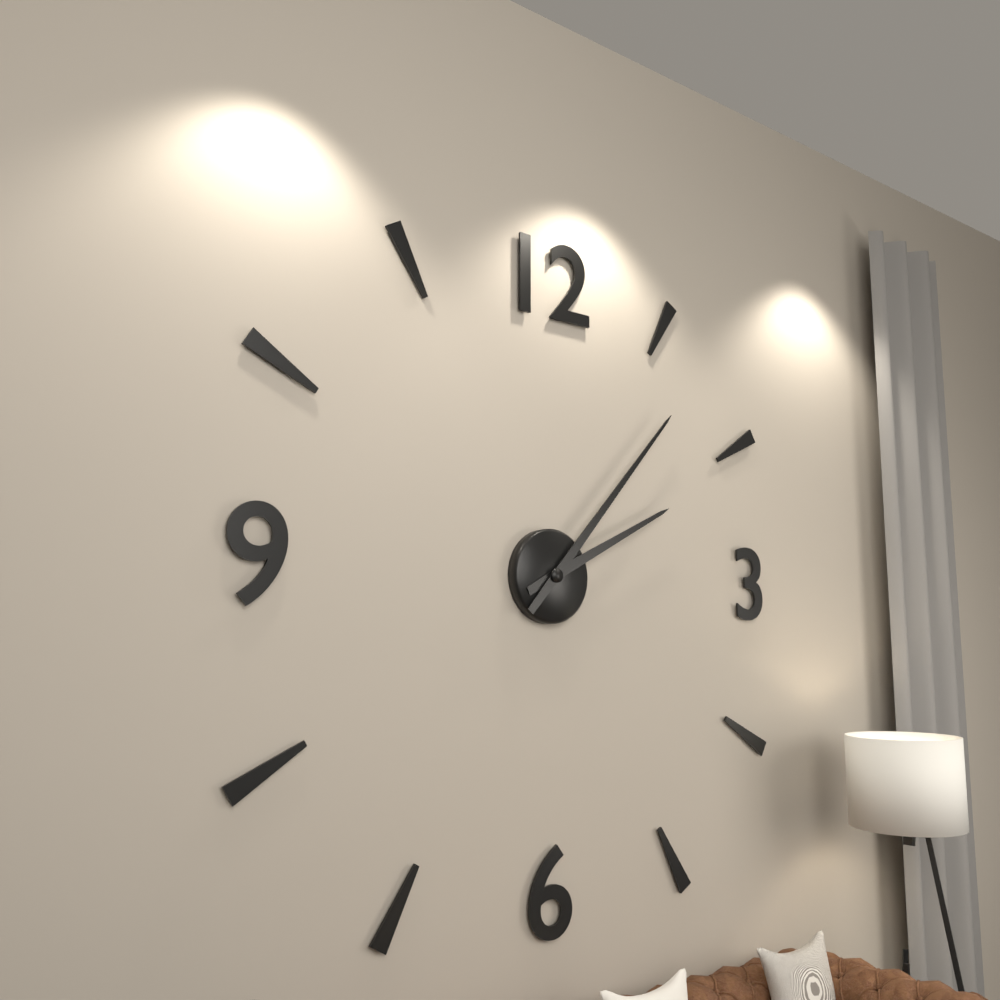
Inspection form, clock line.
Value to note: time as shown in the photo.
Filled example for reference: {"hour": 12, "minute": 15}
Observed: {"hour": 2, "minute": 7}
